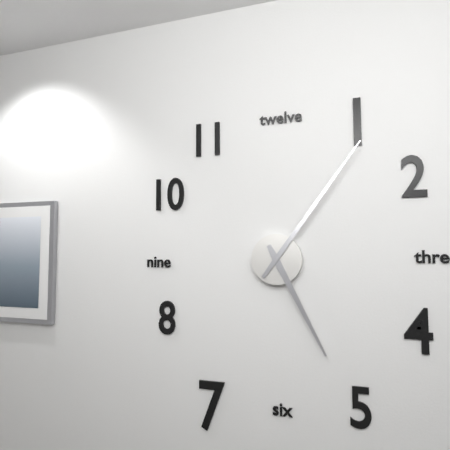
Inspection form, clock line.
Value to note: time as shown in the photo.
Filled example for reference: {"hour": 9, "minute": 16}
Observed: {"hour": 5, "minute": 6}
